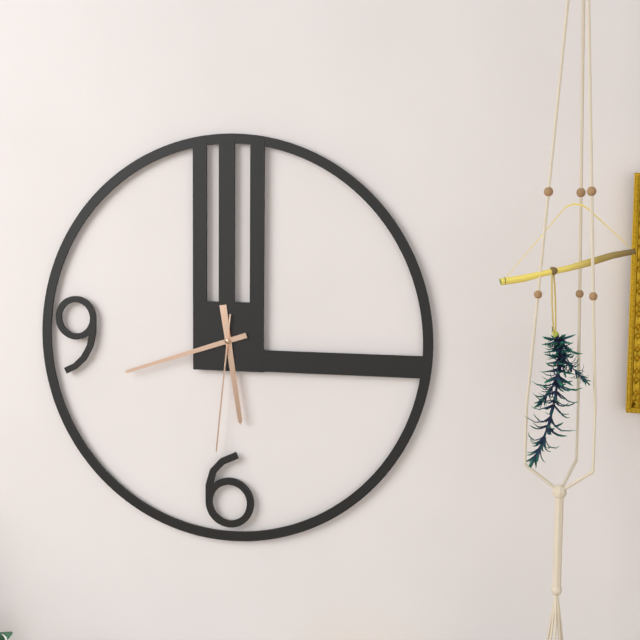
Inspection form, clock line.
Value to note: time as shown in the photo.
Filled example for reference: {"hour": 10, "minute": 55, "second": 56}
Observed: {"hour": 5, "minute": 42, "second": 31}
